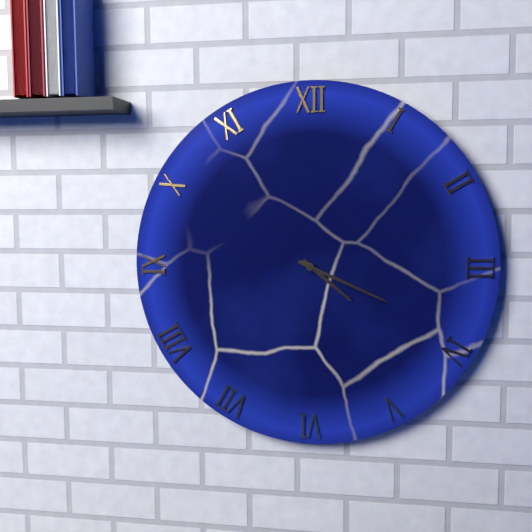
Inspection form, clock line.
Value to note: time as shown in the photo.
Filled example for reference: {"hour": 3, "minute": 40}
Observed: {"hour": 4, "minute": 19}
